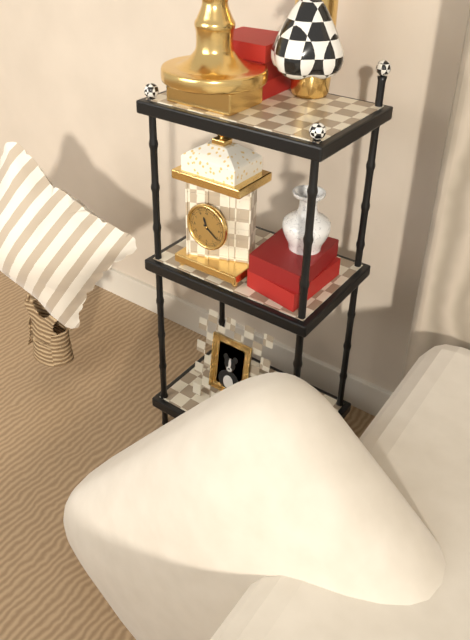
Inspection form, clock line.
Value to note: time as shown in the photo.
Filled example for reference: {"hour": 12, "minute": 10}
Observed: {"hour": 11, "minute": 21}
